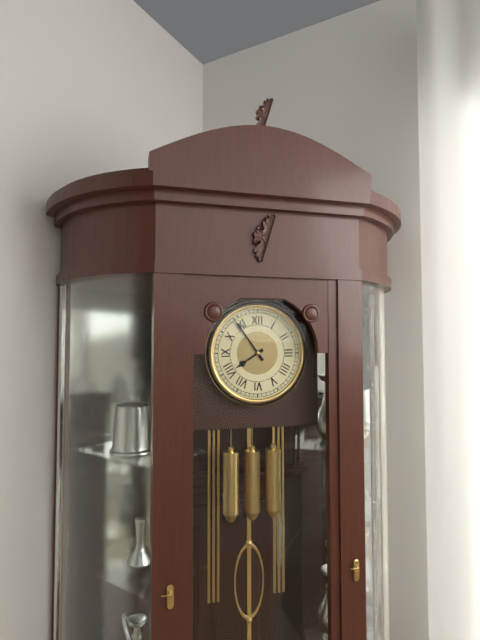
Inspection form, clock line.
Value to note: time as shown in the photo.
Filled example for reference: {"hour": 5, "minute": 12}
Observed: {"hour": 7, "minute": 54}
